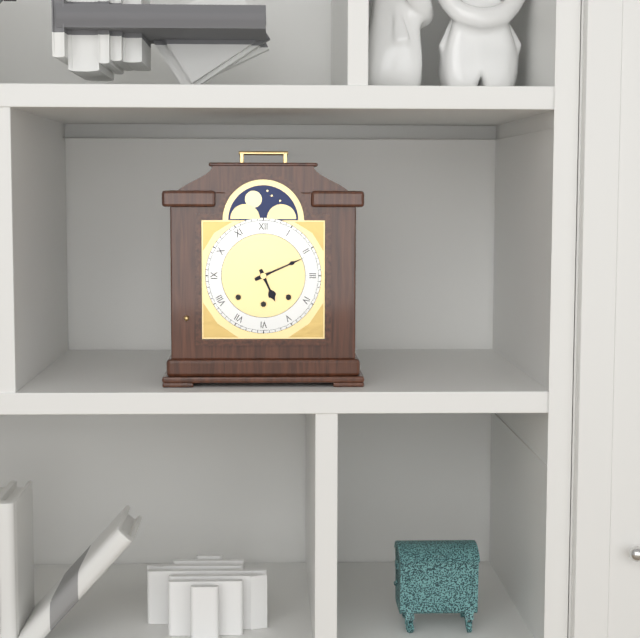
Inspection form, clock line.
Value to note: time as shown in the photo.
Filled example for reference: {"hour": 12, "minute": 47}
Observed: {"hour": 5, "minute": 11}
